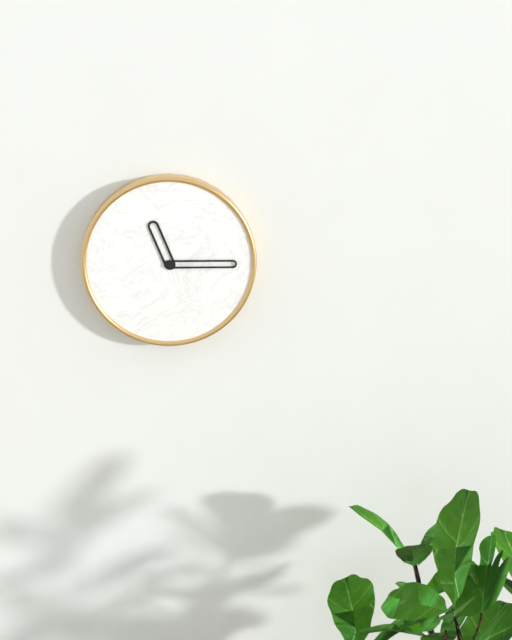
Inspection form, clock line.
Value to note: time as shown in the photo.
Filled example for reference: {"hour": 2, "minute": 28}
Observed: {"hour": 11, "minute": 15}
